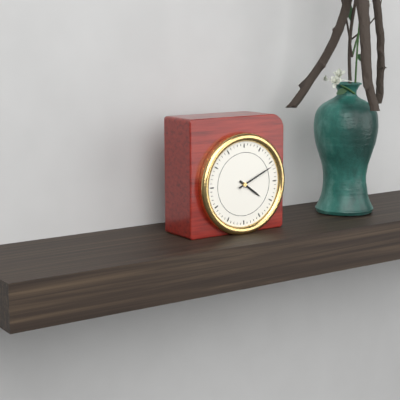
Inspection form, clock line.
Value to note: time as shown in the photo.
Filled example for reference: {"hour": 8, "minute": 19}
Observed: {"hour": 4, "minute": 11}
